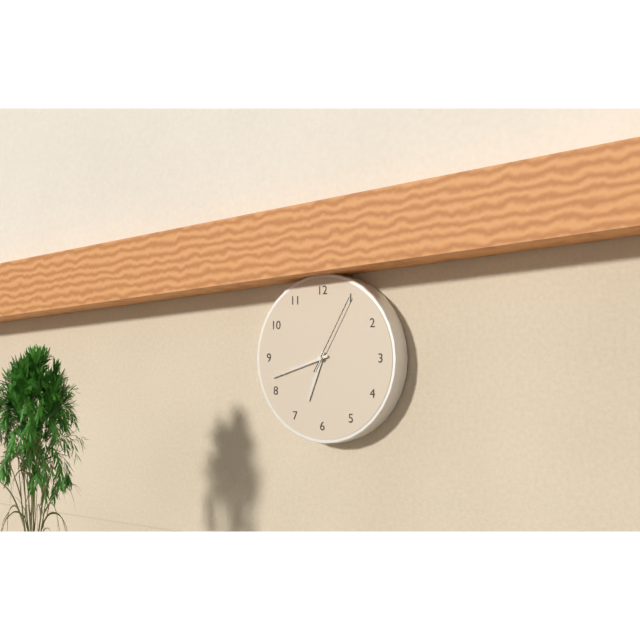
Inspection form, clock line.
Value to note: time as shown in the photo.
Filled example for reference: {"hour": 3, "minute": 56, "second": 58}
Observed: {"hour": 6, "minute": 42, "second": 5}
